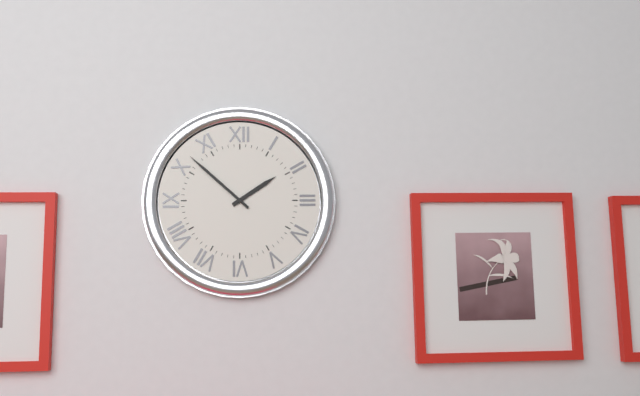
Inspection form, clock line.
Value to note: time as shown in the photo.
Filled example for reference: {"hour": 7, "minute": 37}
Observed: {"hour": 1, "minute": 52}
